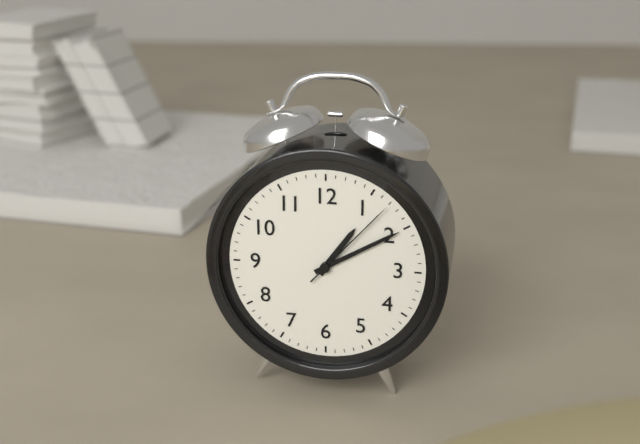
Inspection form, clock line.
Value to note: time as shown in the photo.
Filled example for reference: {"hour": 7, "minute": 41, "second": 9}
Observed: {"hour": 1, "minute": 10, "second": 7}
